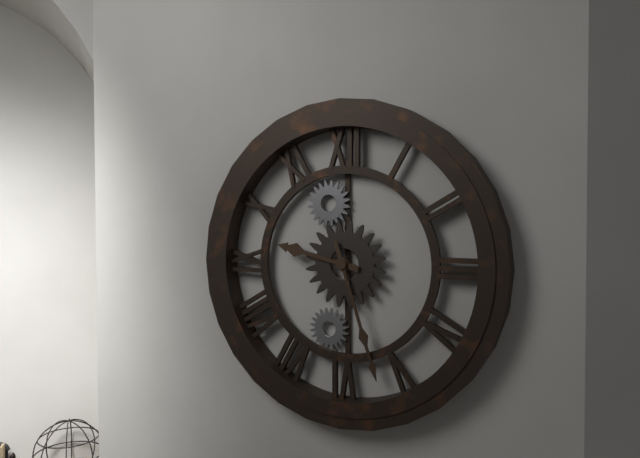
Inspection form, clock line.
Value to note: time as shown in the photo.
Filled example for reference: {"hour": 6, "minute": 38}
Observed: {"hour": 9, "minute": 27}
